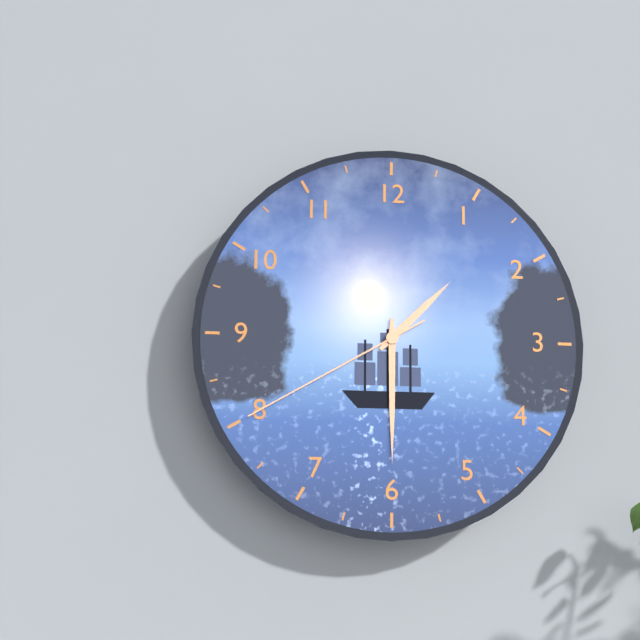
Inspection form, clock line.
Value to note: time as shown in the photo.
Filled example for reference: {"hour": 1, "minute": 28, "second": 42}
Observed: {"hour": 1, "minute": 30, "second": 40}
